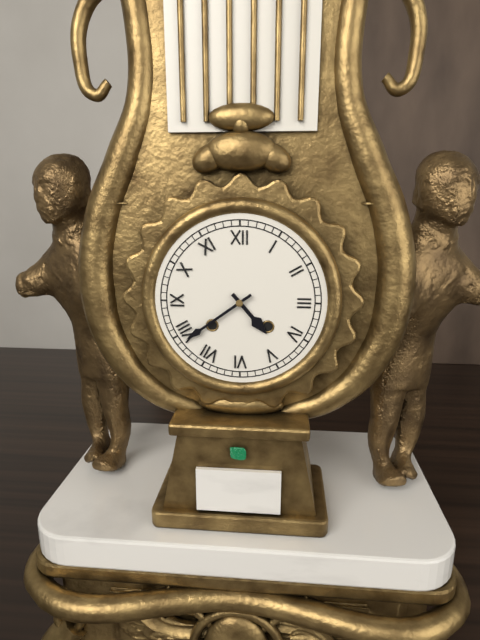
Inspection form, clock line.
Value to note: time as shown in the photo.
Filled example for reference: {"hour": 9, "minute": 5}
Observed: {"hour": 4, "minute": 39}
